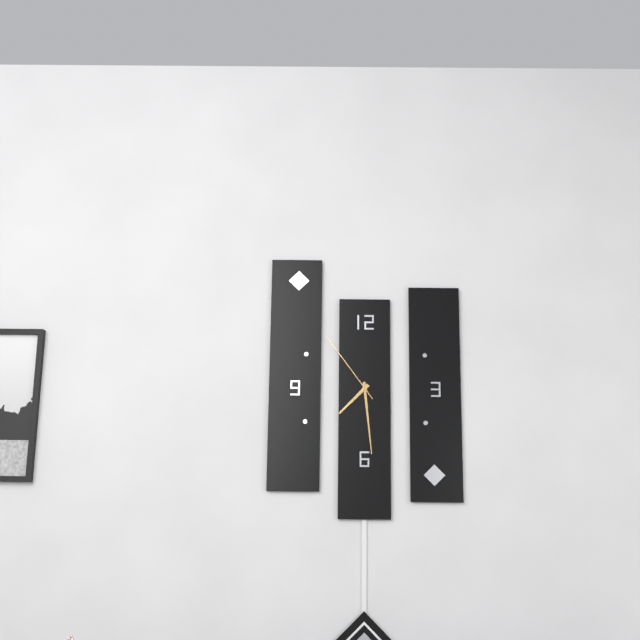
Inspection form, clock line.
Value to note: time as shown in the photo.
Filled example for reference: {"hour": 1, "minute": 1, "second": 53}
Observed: {"hour": 7, "minute": 29, "second": 54}
